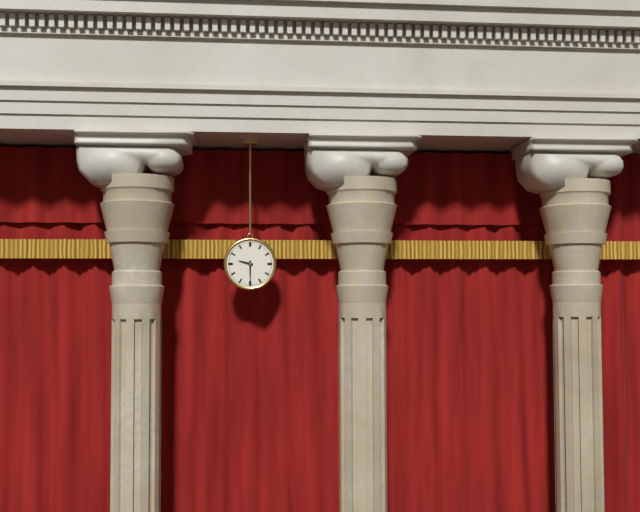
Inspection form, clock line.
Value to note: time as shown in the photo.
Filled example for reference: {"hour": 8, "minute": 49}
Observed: {"hour": 9, "minute": 30}
